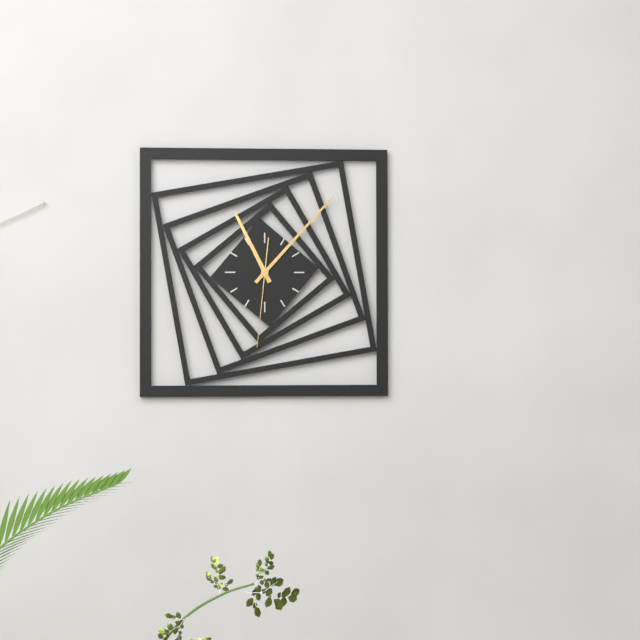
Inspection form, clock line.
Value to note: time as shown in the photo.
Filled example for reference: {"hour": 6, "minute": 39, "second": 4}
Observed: {"hour": 11, "minute": 7, "second": 31}
